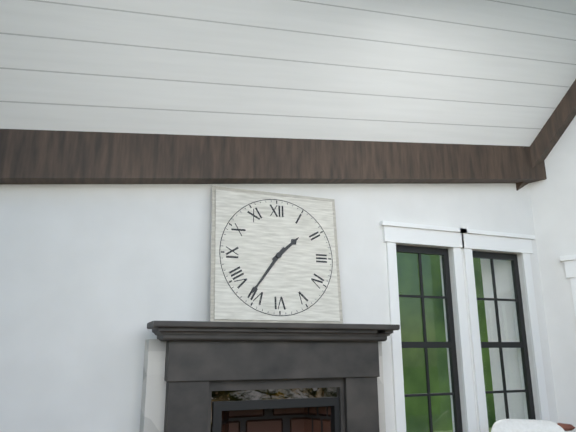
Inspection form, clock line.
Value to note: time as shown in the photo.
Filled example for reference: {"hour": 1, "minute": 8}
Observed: {"hour": 1, "minute": 36}
